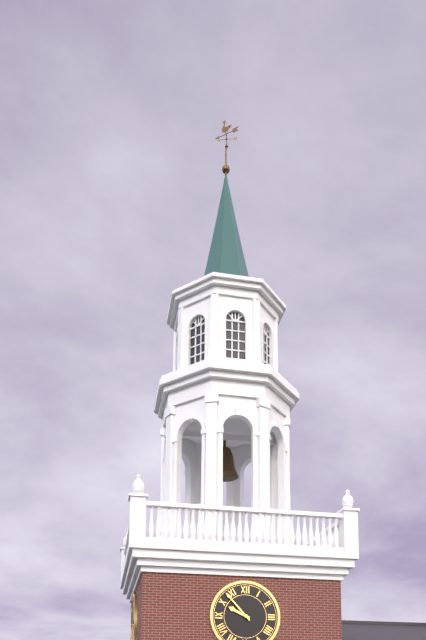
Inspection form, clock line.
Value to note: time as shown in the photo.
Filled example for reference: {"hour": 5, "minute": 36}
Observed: {"hour": 9, "minute": 53}
